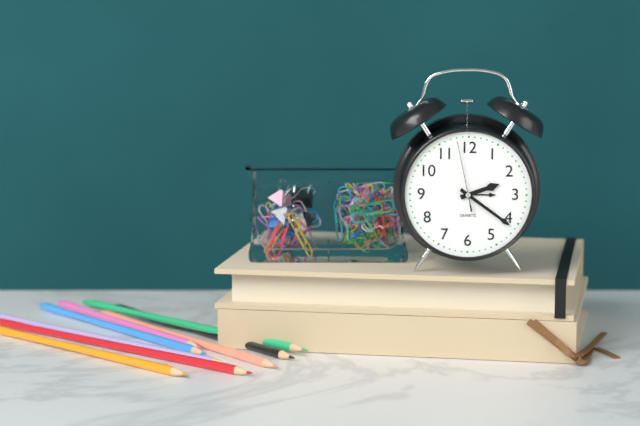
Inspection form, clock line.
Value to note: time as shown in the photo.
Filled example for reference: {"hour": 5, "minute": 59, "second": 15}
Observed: {"hour": 2, "minute": 21, "second": 58}
